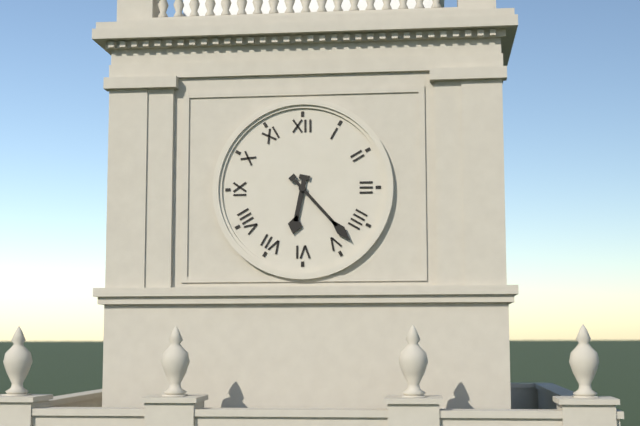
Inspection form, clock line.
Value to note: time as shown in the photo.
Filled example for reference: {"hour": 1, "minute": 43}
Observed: {"hour": 6, "minute": 23}
